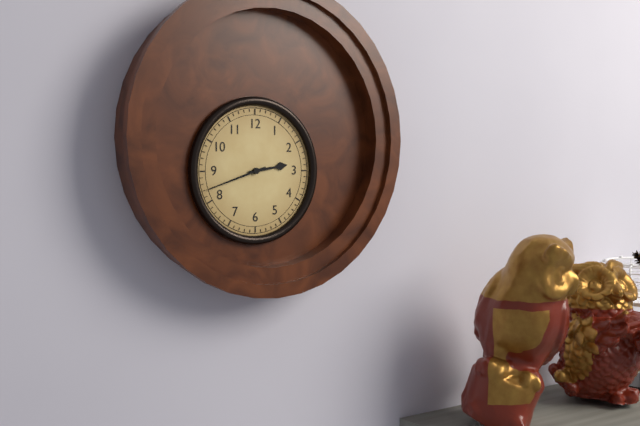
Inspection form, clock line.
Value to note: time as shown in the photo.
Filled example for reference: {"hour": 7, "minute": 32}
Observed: {"hour": 2, "minute": 42}
